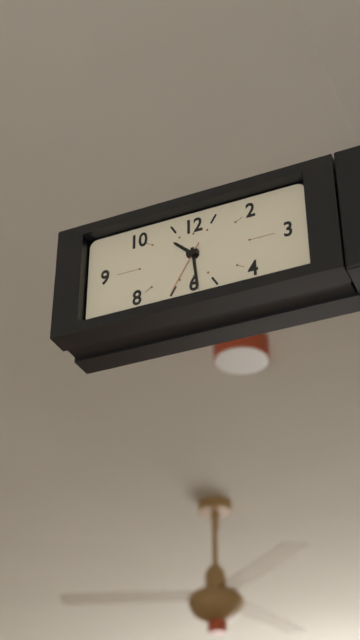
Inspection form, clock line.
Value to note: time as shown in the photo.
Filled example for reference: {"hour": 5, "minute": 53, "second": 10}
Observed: {"hour": 10, "minute": 29, "second": 35}
